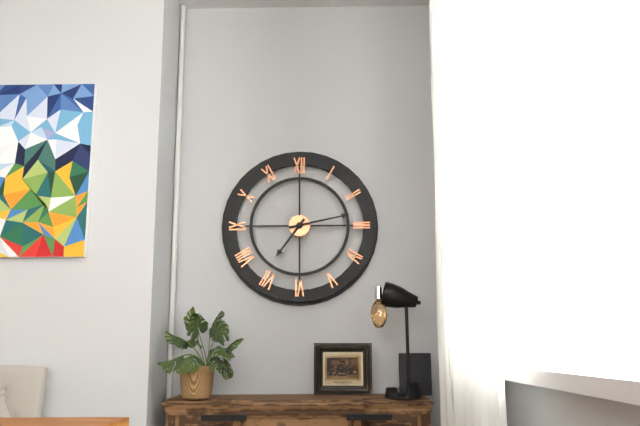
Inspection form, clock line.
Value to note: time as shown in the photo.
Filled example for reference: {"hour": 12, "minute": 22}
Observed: {"hour": 7, "minute": 13}
